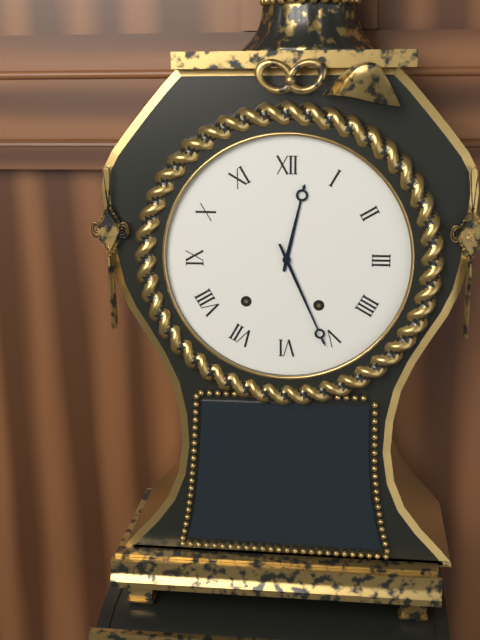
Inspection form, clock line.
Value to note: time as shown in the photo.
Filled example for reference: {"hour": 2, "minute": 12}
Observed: {"hour": 12, "minute": 26}
